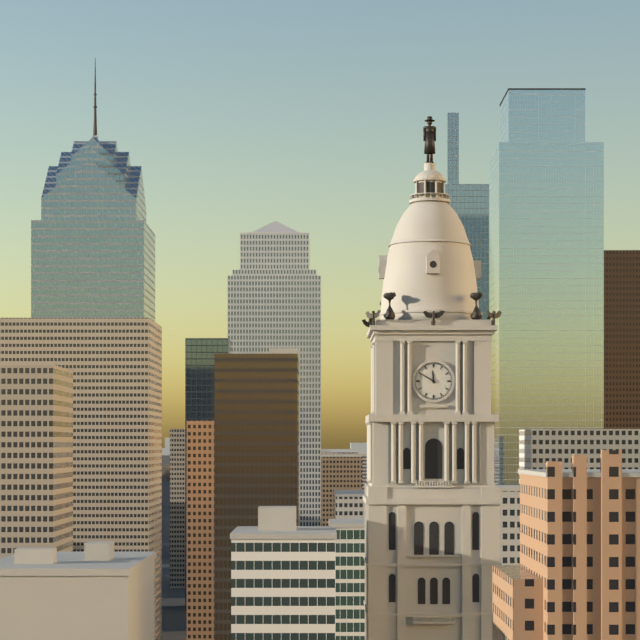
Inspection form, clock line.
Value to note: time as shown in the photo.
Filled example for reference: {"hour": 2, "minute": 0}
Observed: {"hour": 11, "minute": 50}
